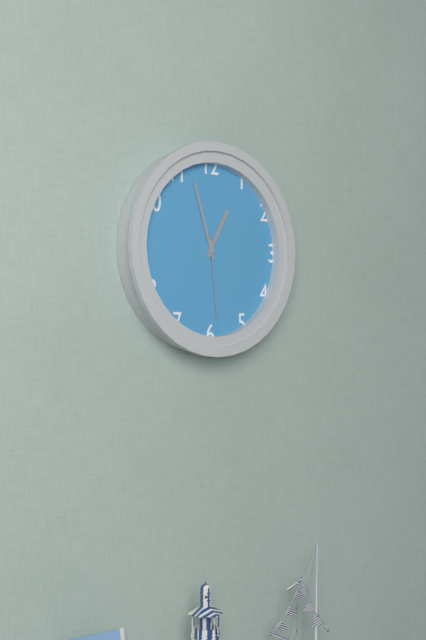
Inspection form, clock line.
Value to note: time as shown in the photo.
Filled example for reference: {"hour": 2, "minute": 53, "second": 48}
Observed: {"hour": 12, "minute": 57, "second": 29}
